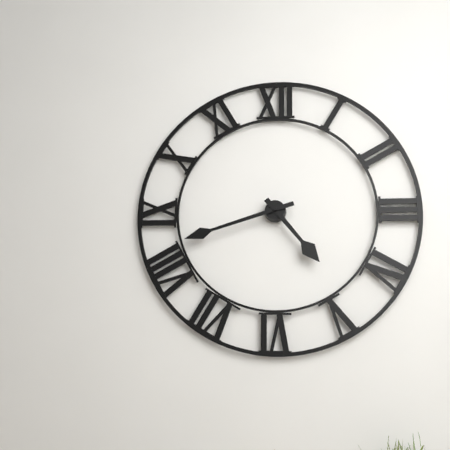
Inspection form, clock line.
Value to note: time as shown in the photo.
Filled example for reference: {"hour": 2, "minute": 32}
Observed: {"hour": 4, "minute": 42}
